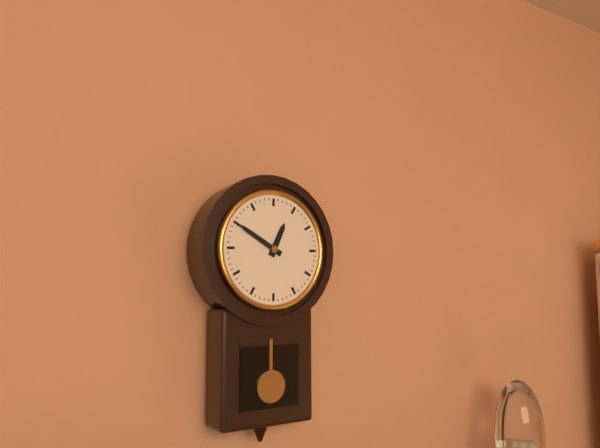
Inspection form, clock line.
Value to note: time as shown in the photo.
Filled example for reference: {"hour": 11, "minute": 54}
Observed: {"hour": 12, "minute": 50}
